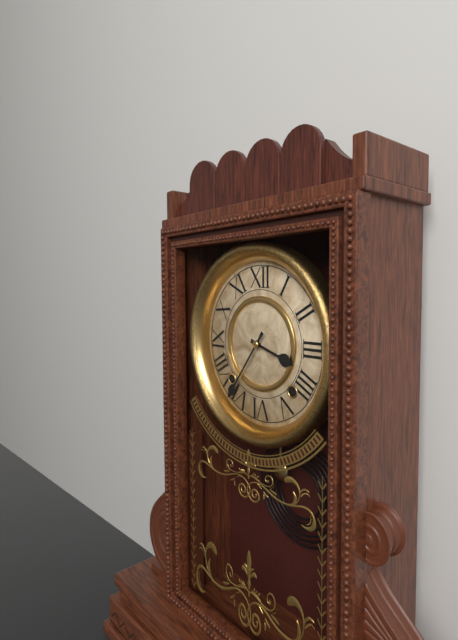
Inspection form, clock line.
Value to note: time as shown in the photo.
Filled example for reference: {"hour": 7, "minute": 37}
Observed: {"hour": 3, "minute": 36}
